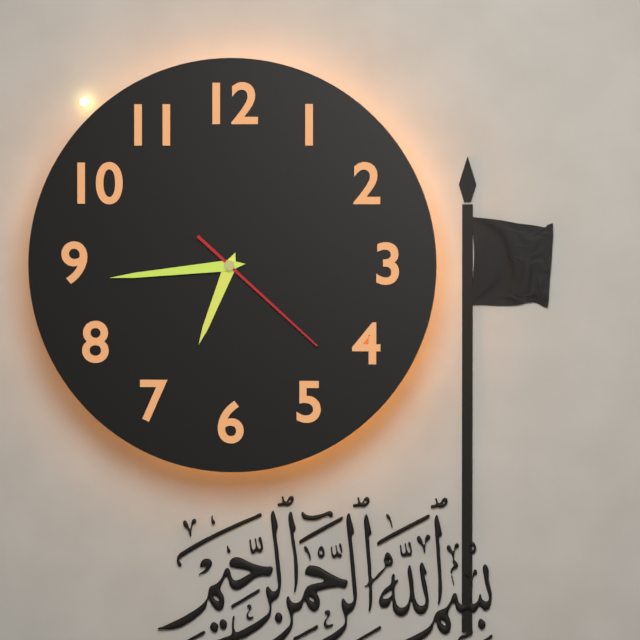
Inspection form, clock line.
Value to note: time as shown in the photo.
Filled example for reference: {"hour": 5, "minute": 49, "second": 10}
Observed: {"hour": 6, "minute": 44, "second": 22}
